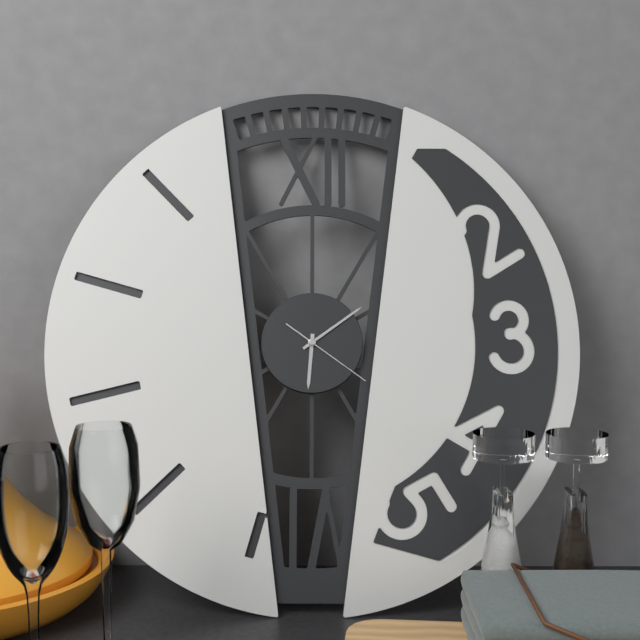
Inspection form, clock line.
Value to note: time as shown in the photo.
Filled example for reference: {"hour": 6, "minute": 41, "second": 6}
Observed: {"hour": 6, "minute": 9, "second": 21}
